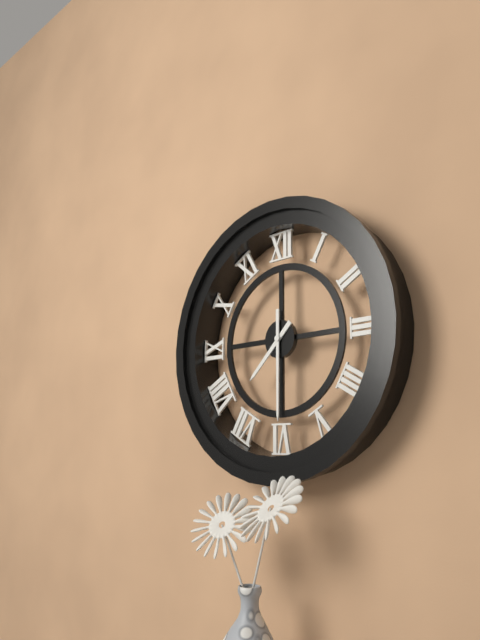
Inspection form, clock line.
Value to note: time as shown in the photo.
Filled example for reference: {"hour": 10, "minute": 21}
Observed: {"hour": 7, "minute": 30}
